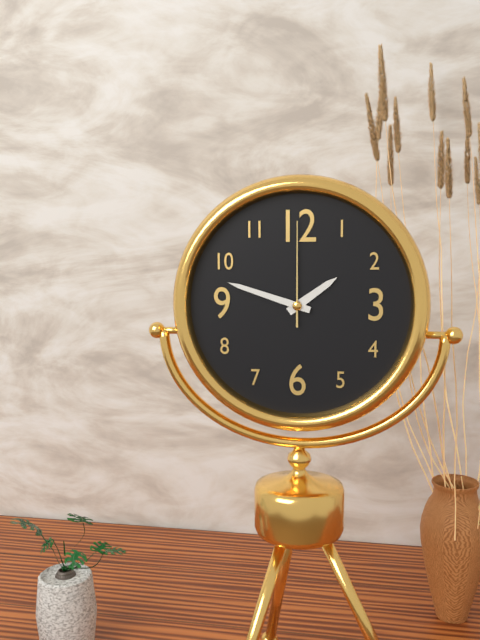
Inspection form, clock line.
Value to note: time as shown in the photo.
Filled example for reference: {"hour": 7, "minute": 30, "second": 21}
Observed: {"hour": 1, "minute": 48, "second": 0}
